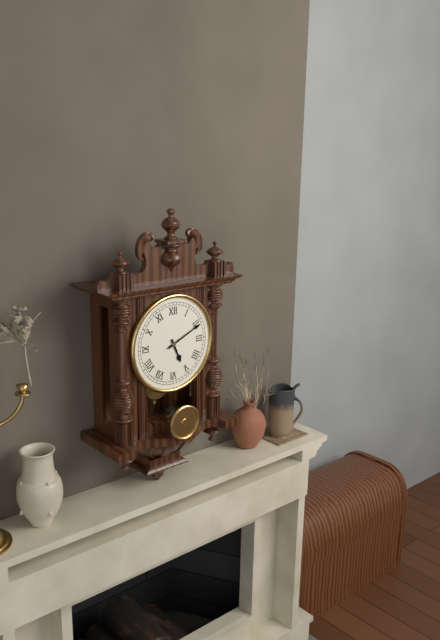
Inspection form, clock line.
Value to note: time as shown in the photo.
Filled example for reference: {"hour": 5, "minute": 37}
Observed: {"hour": 5, "minute": 11}
